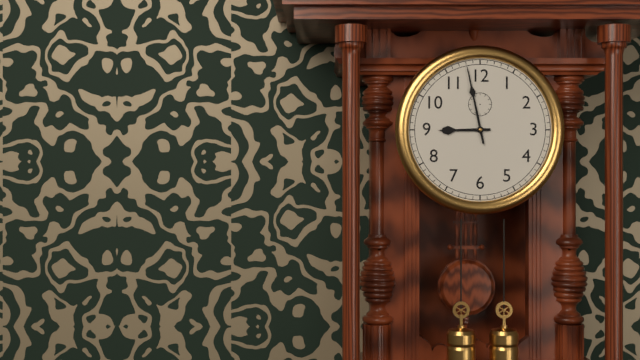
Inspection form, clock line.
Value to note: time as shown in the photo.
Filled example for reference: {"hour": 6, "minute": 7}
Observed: {"hour": 8, "minute": 58}
